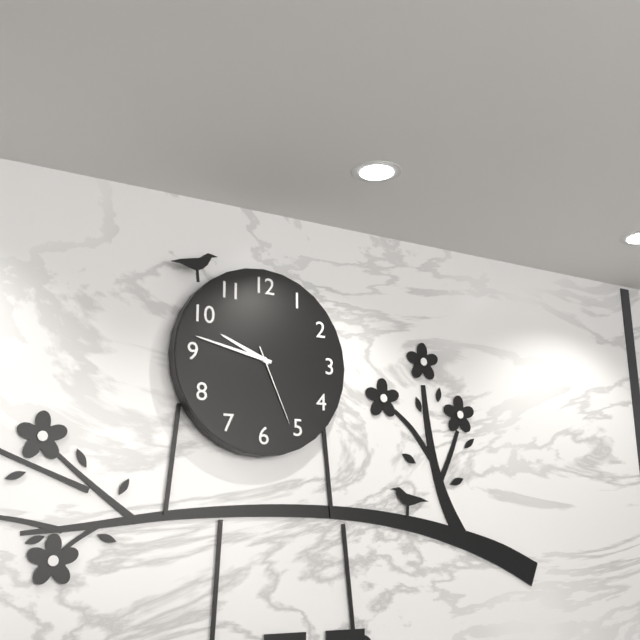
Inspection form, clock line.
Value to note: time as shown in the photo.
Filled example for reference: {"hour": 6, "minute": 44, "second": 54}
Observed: {"hour": 9, "minute": 47, "second": 26}
